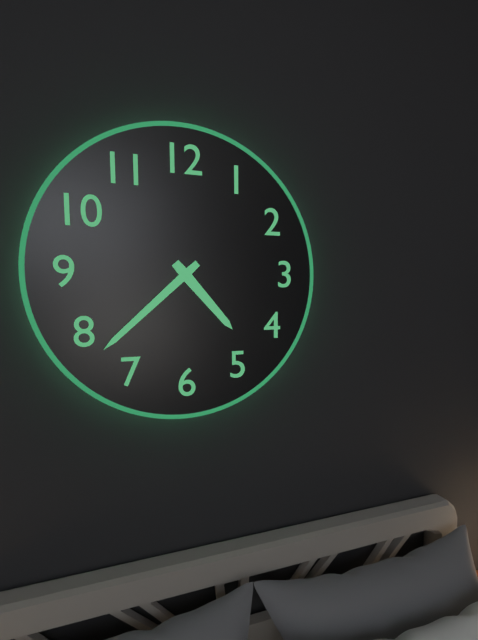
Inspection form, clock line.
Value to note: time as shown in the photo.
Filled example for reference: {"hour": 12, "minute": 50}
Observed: {"hour": 4, "minute": 38}
